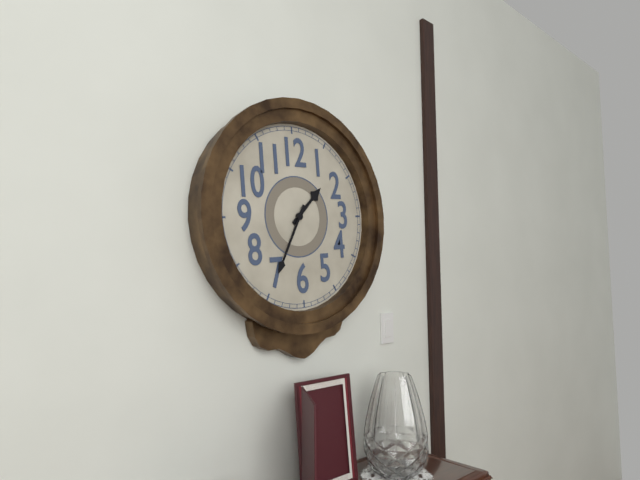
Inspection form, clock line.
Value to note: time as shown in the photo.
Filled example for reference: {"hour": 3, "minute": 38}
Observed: {"hour": 1, "minute": 35}
